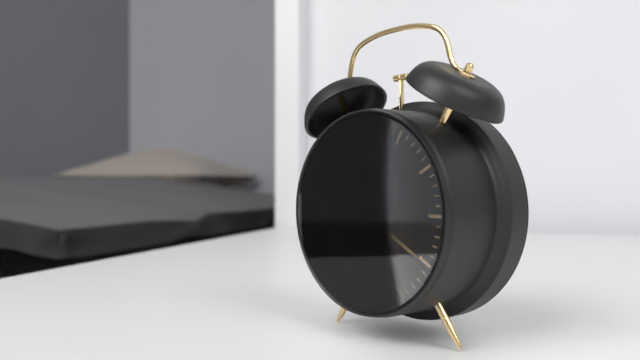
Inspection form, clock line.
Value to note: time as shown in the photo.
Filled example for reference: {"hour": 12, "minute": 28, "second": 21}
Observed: {"hour": 9, "minute": 20, "second": 32}
